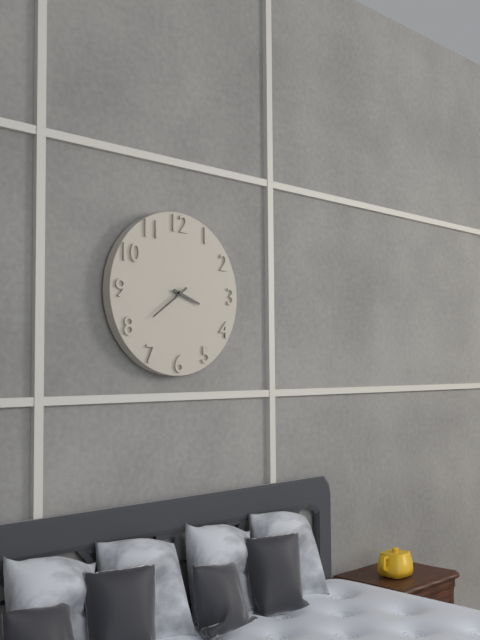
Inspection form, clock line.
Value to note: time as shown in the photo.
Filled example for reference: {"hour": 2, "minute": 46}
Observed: {"hour": 3, "minute": 39}
